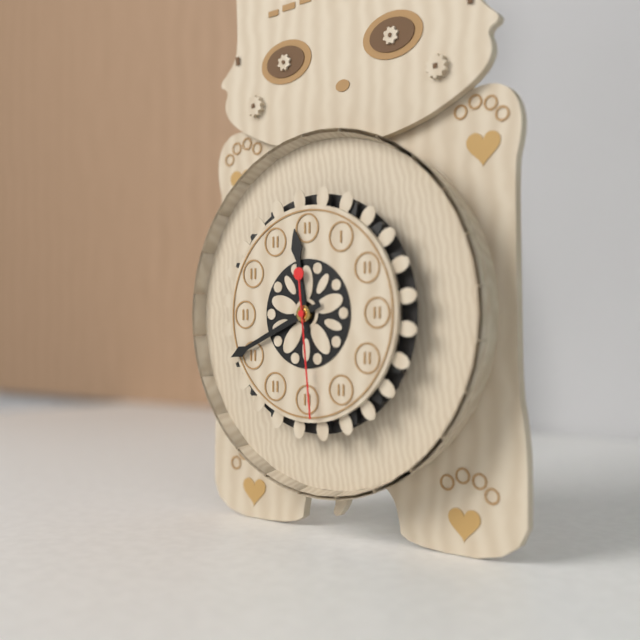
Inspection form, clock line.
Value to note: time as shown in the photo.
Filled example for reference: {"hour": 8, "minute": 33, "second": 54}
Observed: {"hour": 11, "minute": 41, "second": 29}
